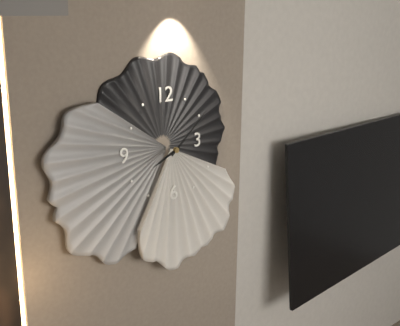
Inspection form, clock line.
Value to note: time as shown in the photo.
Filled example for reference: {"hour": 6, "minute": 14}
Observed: {"hour": 8, "minute": 8}
